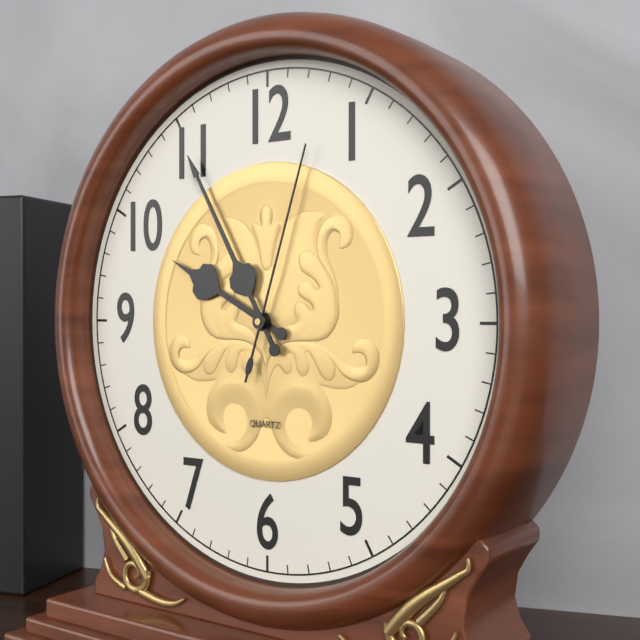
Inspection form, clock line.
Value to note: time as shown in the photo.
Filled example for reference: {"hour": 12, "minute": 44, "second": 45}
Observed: {"hour": 9, "minute": 55, "second": 3}
